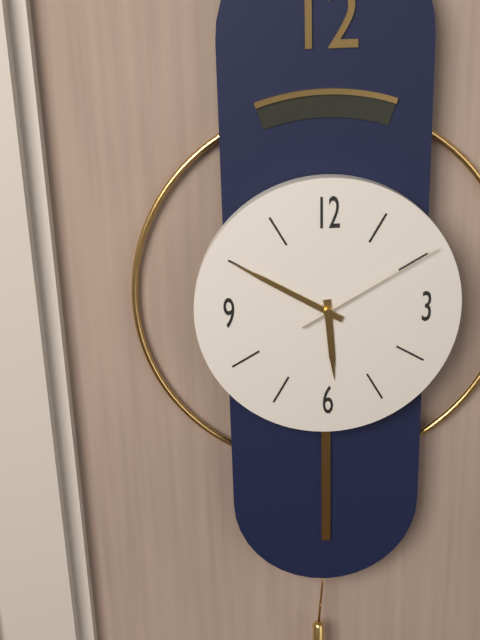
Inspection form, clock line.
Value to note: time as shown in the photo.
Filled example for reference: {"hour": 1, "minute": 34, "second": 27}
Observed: {"hour": 5, "minute": 50, "second": 10}
